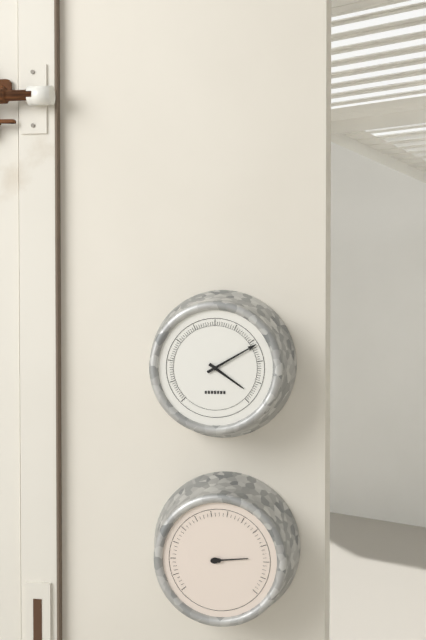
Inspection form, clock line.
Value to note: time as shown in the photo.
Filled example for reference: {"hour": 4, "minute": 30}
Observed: {"hour": 4, "minute": 10}
